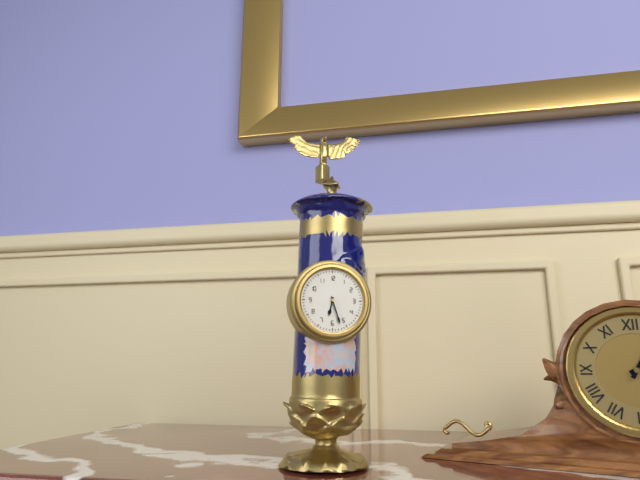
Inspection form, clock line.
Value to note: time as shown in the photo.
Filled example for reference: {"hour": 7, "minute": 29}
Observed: {"hour": 6, "minute": 27}
